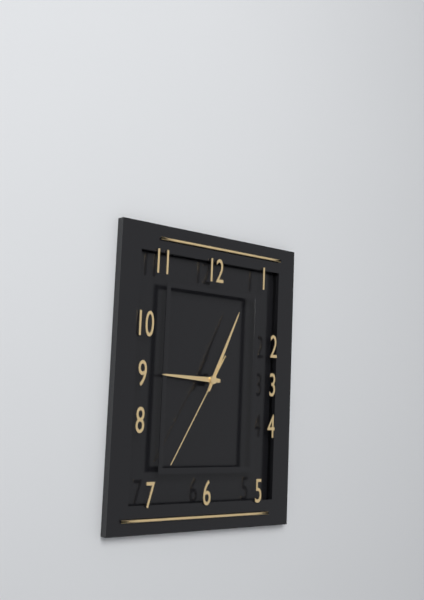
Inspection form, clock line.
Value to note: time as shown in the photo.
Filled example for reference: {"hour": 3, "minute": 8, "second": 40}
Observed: {"hour": 9, "minute": 4, "second": 35}
